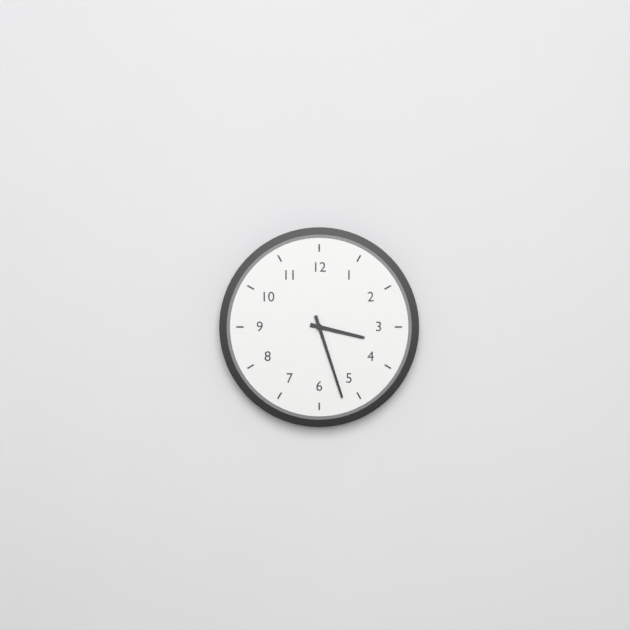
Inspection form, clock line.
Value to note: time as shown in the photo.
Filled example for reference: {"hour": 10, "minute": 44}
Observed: {"hour": 3, "minute": 27}
